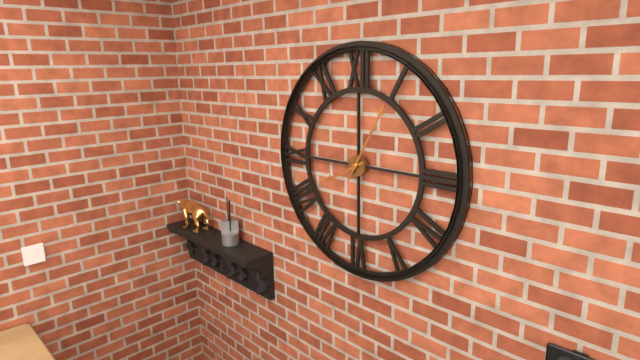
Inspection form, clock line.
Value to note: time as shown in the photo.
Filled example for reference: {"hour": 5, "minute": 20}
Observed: {"hour": 8, "minute": 5}
